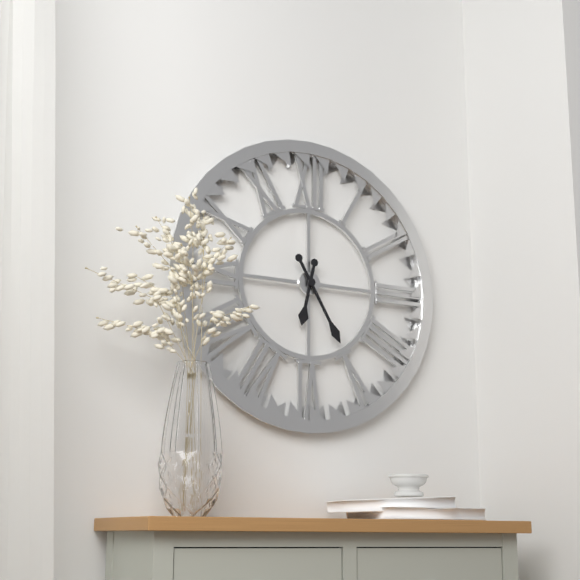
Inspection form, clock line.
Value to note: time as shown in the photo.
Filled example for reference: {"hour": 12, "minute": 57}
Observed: {"hour": 6, "minute": 25}
